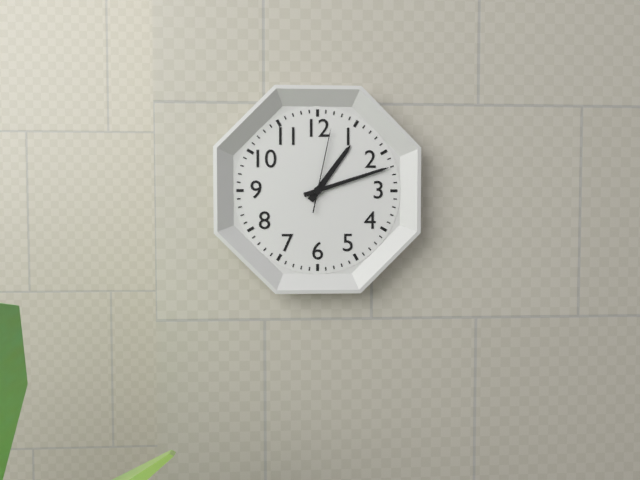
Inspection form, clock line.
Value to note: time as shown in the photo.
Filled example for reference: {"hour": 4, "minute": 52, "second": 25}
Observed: {"hour": 1, "minute": 12, "second": 2}
